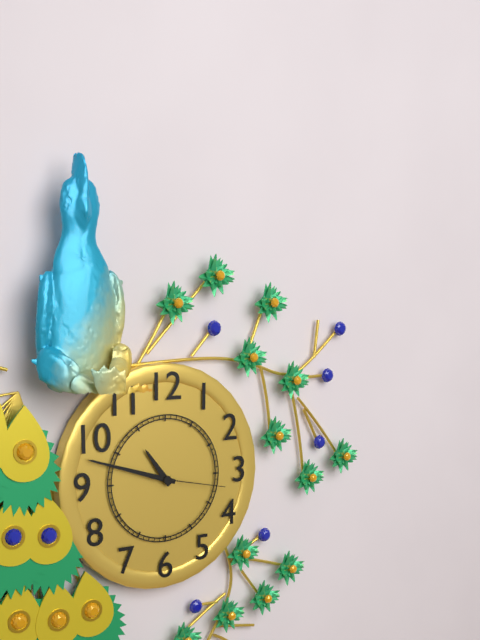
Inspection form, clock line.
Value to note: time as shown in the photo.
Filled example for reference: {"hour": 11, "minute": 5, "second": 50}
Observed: {"hour": 10, "minute": 48, "second": 17}
